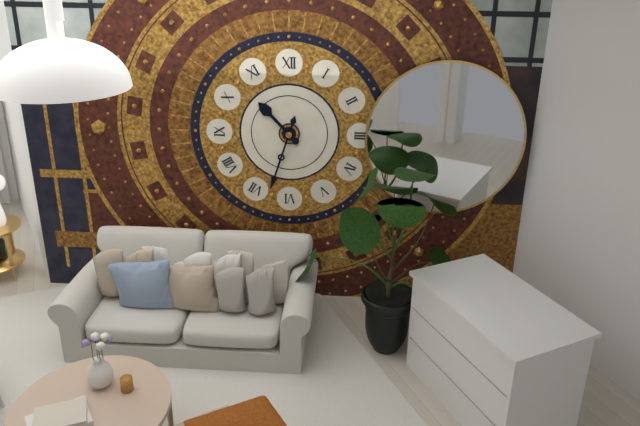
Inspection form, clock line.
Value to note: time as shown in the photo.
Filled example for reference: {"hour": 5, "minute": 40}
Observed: {"hour": 10, "minute": 33}
